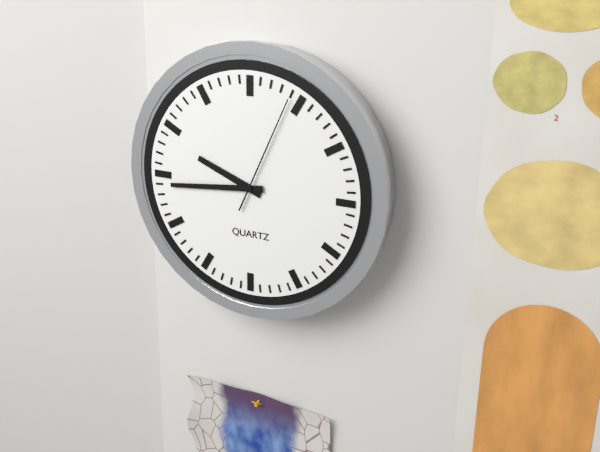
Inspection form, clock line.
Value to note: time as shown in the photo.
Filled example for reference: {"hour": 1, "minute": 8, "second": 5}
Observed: {"hour": 9, "minute": 44, "second": 4}
